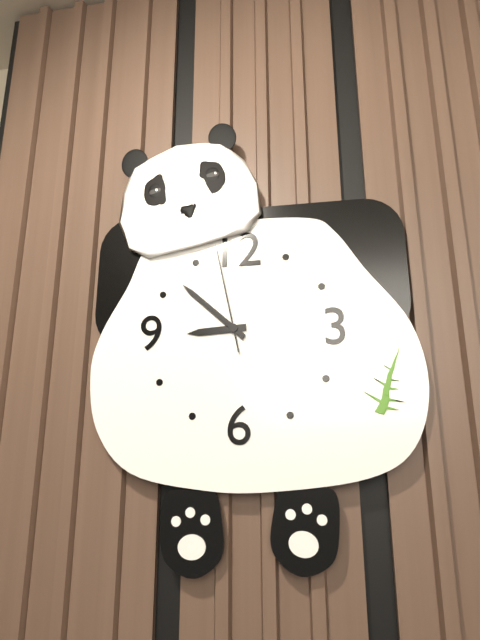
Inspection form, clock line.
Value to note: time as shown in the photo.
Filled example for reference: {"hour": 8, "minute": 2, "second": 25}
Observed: {"hour": 8, "minute": 52, "second": 58}
